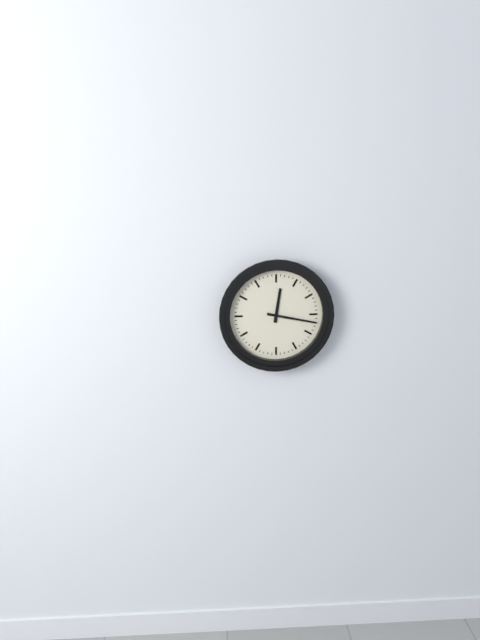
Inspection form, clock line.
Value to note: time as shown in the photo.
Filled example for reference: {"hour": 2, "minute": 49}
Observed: {"hour": 12, "minute": 17}
